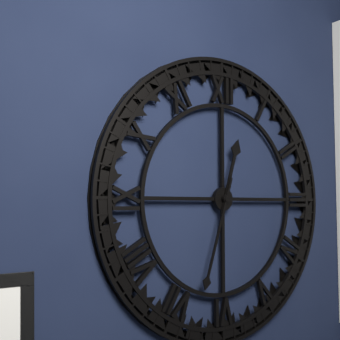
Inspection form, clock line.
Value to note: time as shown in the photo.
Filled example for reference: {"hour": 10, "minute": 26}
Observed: {"hour": 12, "minute": 33}
